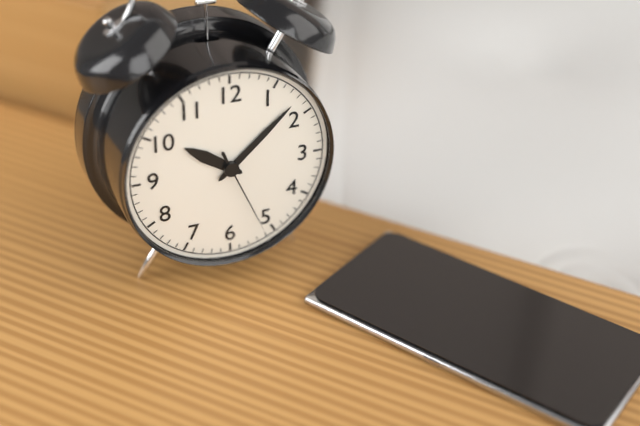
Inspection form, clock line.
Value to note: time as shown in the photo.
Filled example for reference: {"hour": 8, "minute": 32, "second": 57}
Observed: {"hour": 10, "minute": 8, "second": 26}
